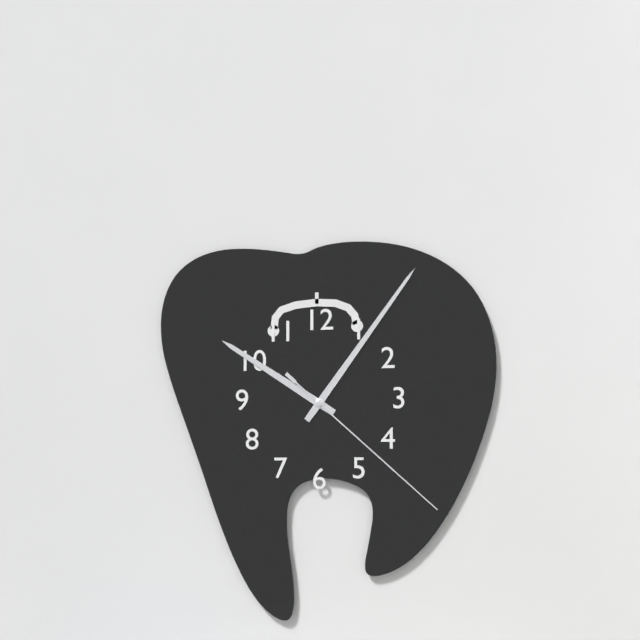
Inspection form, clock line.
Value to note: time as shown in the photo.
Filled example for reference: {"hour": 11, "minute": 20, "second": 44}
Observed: {"hour": 10, "minute": 6, "second": 22}
